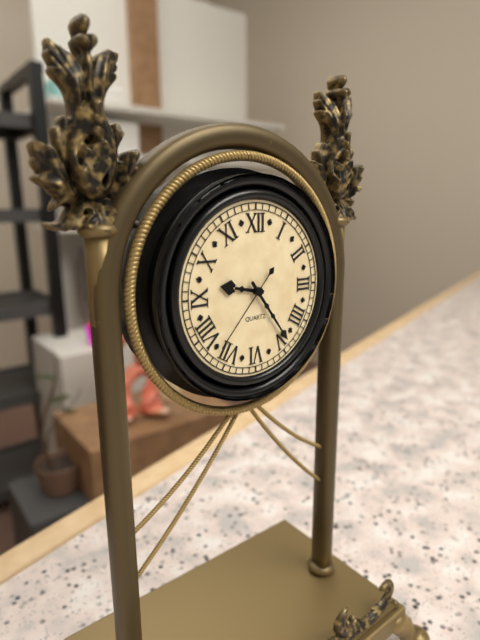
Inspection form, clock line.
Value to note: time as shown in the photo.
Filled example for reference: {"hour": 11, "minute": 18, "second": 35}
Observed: {"hour": 9, "minute": 24, "second": 37}
